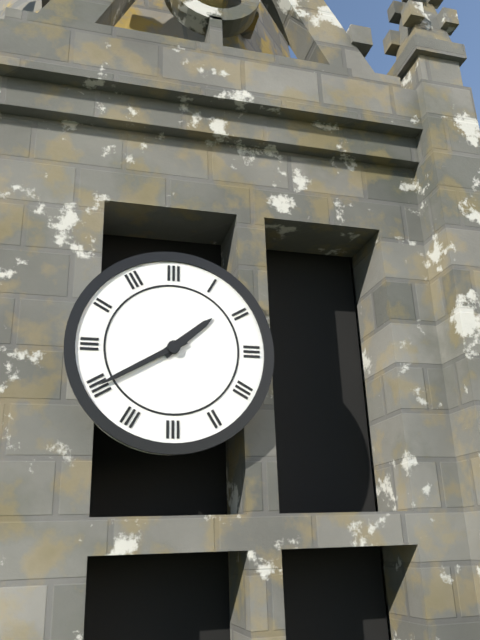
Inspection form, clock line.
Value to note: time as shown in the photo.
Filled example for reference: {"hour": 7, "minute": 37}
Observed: {"hour": 1, "minute": 40}
